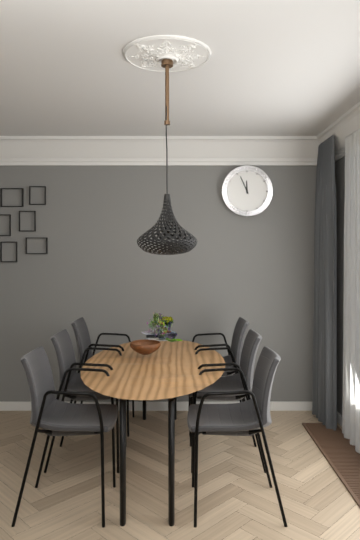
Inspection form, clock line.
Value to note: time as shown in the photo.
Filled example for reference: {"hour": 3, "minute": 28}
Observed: {"hour": 11, "minute": 56}
